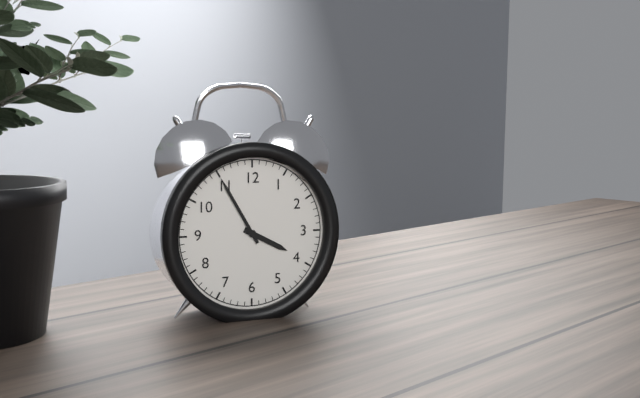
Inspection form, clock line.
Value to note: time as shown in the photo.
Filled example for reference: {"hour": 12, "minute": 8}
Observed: {"hour": 3, "minute": 55}
